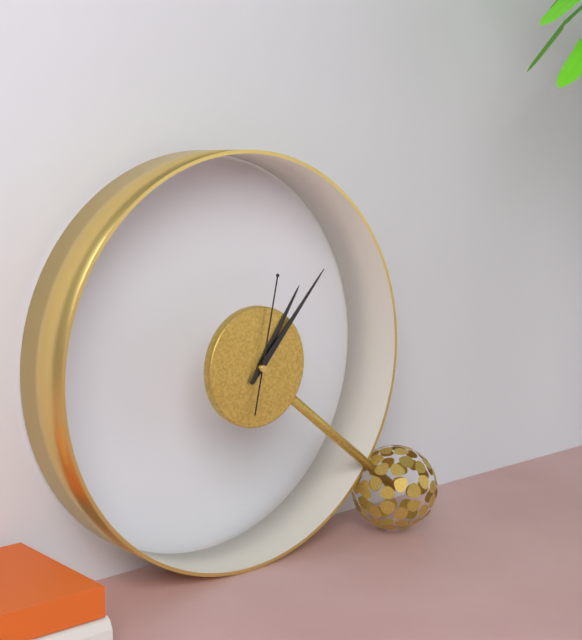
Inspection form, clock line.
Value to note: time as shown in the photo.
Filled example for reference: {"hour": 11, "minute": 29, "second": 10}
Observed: {"hour": 1, "minute": 7, "second": 2}
